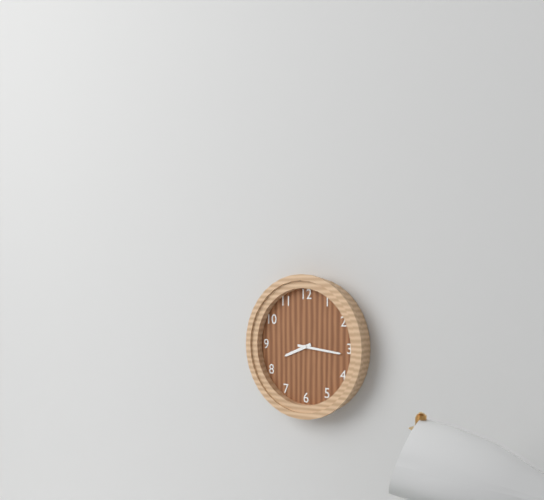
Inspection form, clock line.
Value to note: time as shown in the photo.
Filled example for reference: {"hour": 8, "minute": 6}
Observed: {"hour": 8, "minute": 16}
